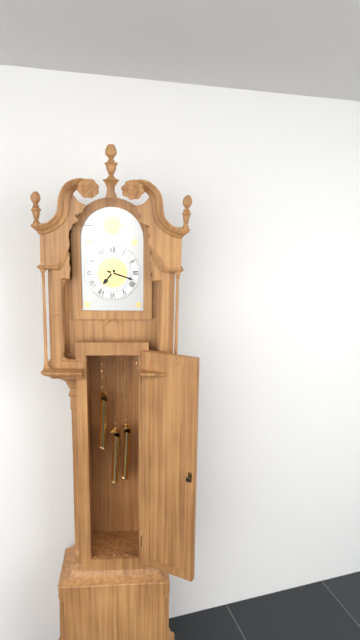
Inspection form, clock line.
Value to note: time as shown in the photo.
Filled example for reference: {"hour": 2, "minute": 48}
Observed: {"hour": 7, "minute": 18}
